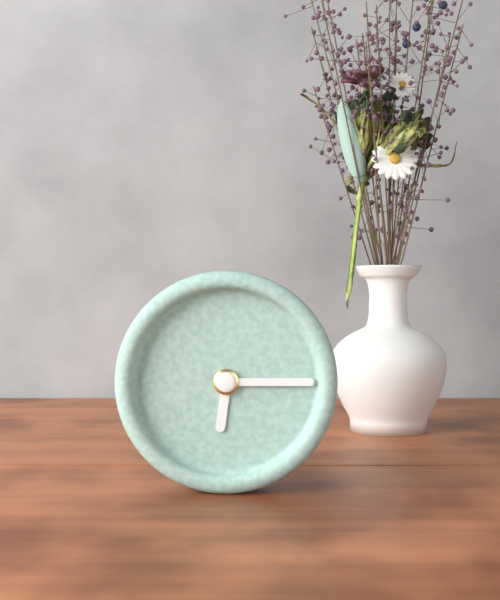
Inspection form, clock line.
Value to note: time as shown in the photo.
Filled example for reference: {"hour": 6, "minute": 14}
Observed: {"hour": 6, "minute": 15}
